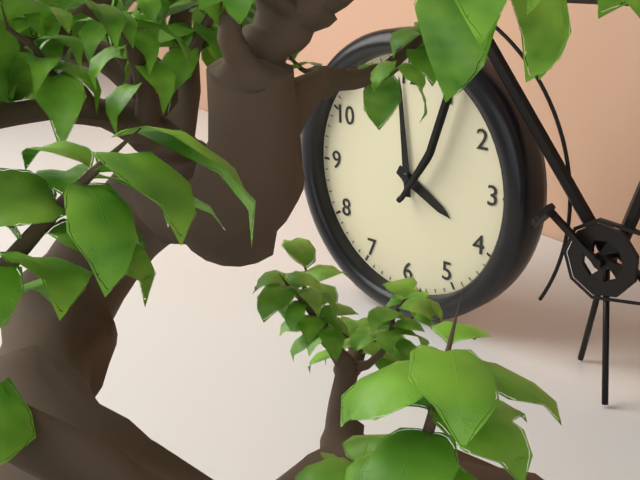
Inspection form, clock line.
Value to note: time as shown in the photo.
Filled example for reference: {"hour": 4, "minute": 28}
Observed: {"hour": 3, "minute": 59}
